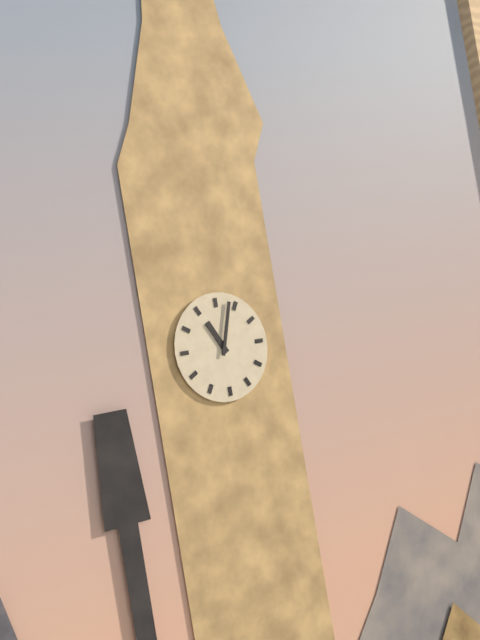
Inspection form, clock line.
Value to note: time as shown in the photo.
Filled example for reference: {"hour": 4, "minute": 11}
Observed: {"hour": 11, "minute": 3}
